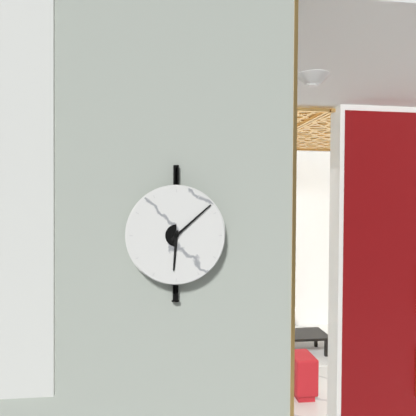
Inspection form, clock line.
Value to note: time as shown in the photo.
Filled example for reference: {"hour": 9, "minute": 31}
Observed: {"hour": 6, "minute": 8}
